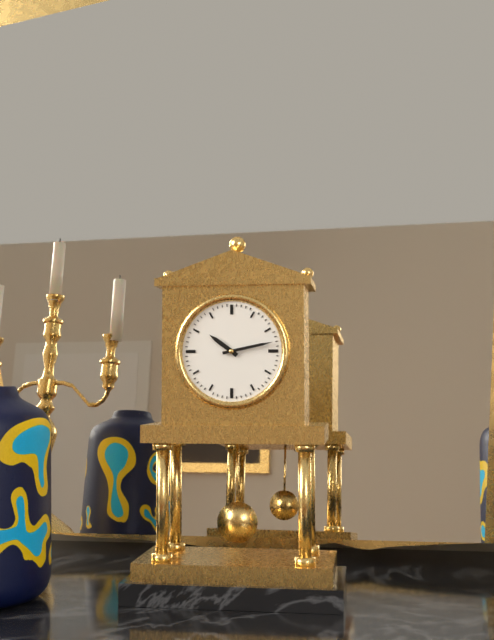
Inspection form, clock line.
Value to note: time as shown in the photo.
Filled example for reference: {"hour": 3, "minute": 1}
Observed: {"hour": 10, "minute": 13}
